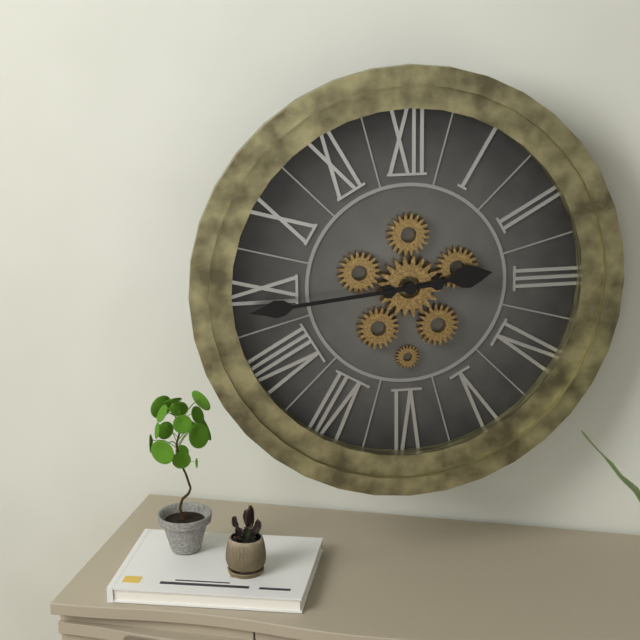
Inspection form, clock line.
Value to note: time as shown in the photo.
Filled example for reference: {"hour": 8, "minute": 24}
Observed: {"hour": 2, "minute": 44}
